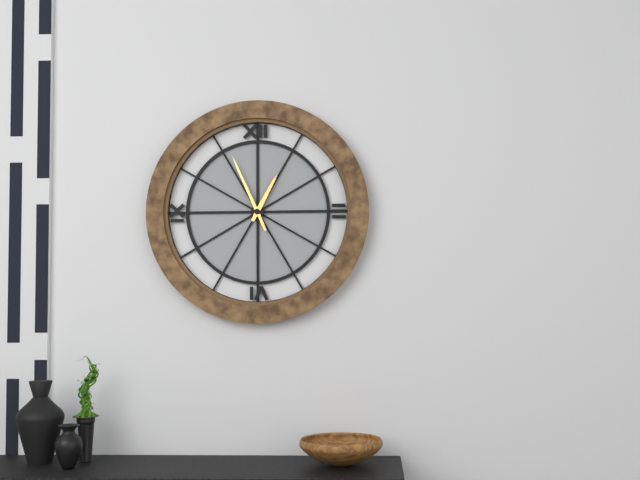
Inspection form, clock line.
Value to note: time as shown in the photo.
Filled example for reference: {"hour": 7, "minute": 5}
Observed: {"hour": 12, "minute": 56}
